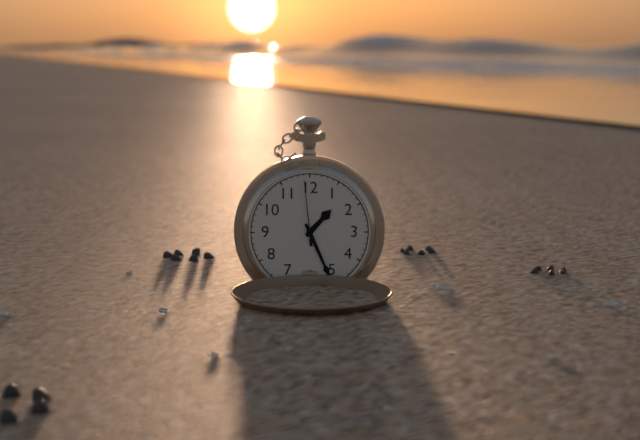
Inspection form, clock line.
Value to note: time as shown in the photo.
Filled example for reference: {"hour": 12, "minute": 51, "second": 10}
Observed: {"hour": 1, "minute": 26, "second": 59}
